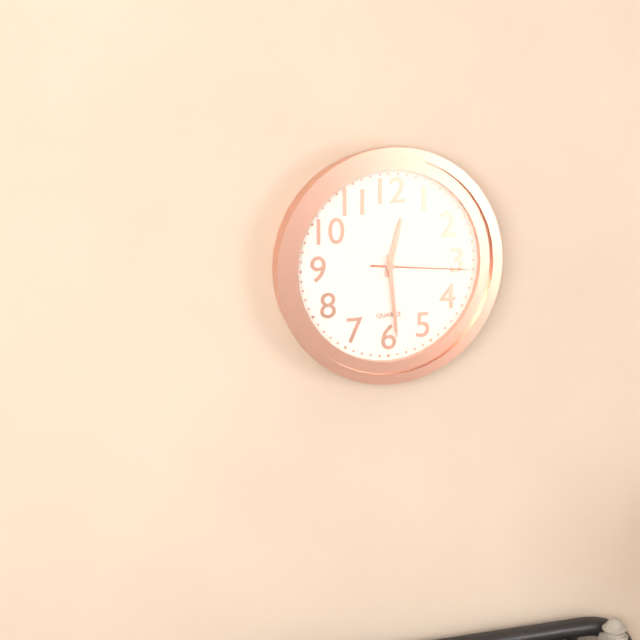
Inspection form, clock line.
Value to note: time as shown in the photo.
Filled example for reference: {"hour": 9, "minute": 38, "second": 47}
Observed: {"hour": 12, "minute": 29, "second": 16}
